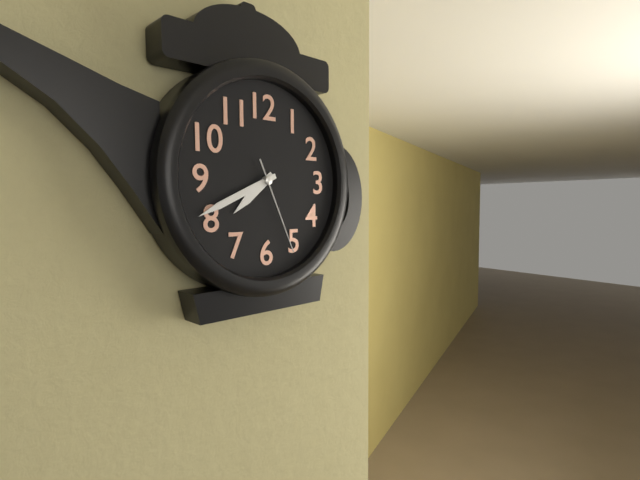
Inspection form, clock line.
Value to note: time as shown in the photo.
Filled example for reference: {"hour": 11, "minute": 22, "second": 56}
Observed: {"hour": 7, "minute": 41, "second": 26}
